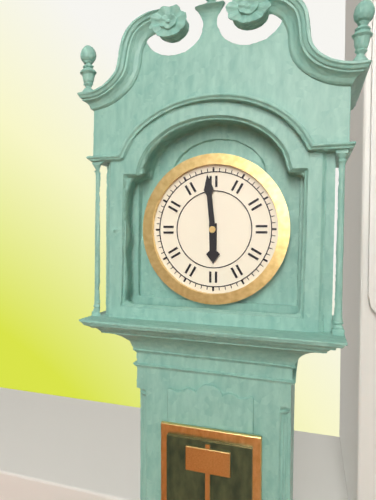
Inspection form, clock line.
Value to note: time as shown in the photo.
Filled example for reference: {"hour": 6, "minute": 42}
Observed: {"hour": 5, "minute": 59}
